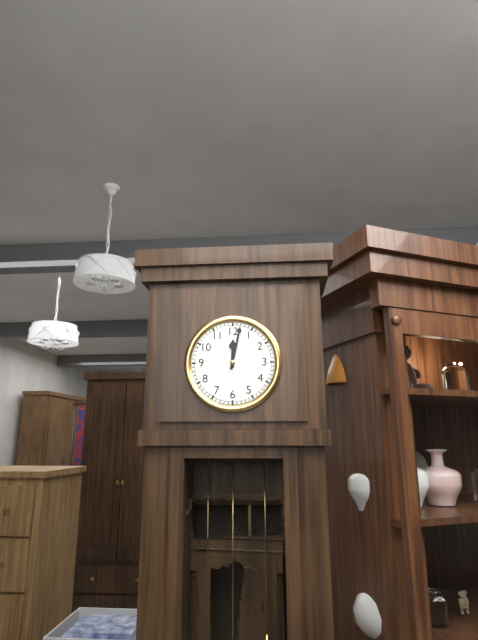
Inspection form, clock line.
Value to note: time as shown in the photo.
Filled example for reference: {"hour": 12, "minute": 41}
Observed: {"hour": 12, "minute": 2}
